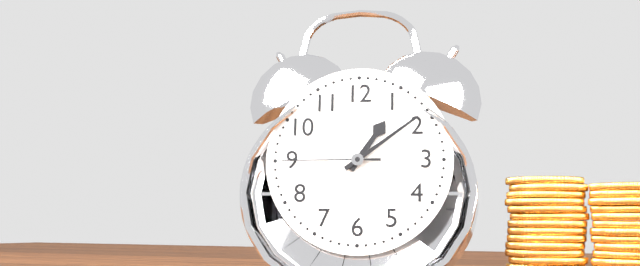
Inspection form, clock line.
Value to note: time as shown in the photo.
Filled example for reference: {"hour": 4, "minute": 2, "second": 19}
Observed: {"hour": 1, "minute": 9, "second": 45}
